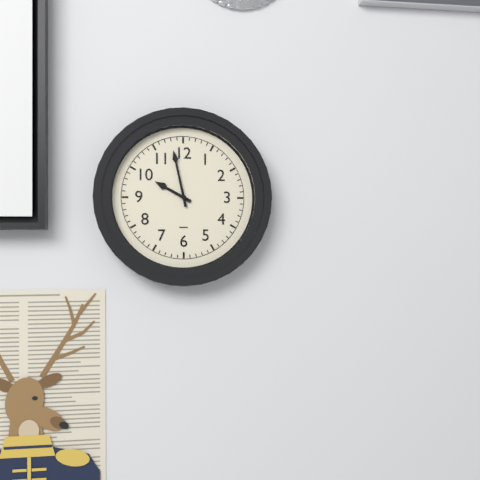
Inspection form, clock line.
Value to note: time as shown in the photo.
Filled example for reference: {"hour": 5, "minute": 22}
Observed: {"hour": 9, "minute": 58}
